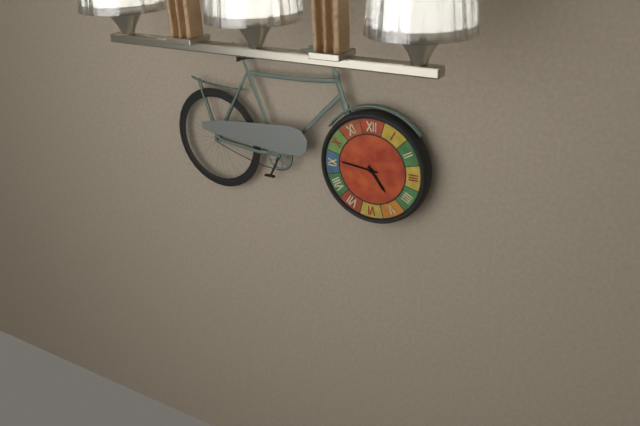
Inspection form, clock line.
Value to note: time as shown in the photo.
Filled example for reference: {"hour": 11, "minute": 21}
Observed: {"hour": 4, "minute": 46}
